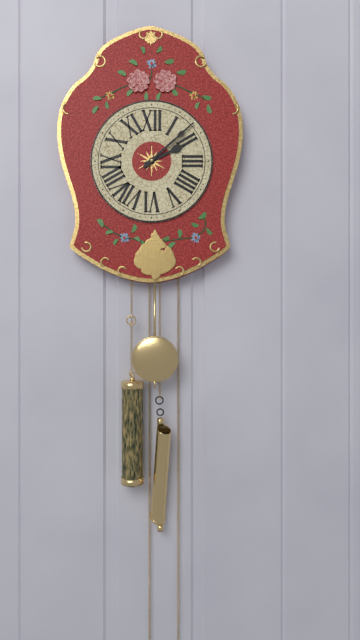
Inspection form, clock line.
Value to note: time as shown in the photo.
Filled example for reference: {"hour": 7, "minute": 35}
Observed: {"hour": 2, "minute": 8}
